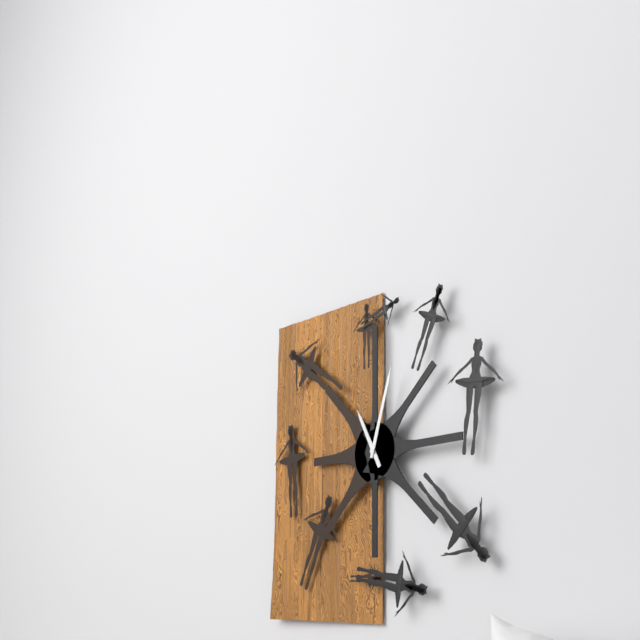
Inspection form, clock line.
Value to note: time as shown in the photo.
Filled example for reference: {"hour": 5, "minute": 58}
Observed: {"hour": 11, "minute": 3}
